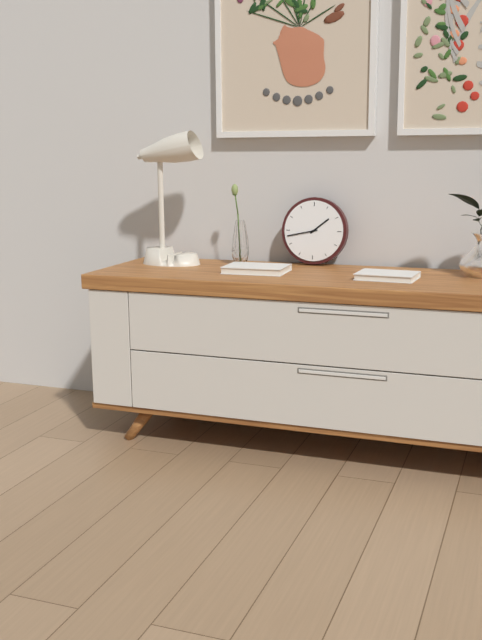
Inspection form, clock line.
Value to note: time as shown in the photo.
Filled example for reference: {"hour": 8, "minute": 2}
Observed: {"hour": 1, "minute": 43}
